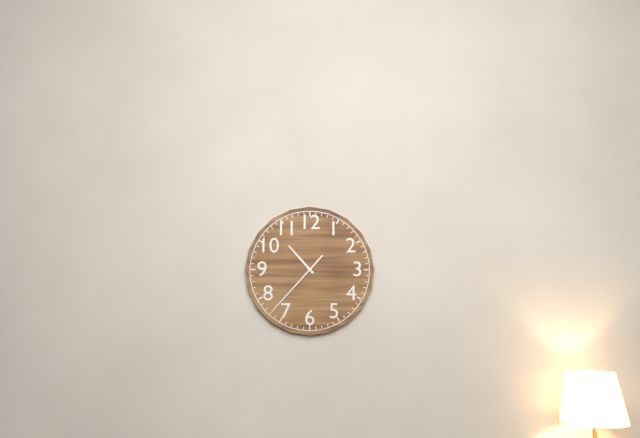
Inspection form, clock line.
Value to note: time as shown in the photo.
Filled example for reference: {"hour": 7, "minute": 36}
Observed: {"hour": 10, "minute": 37}
